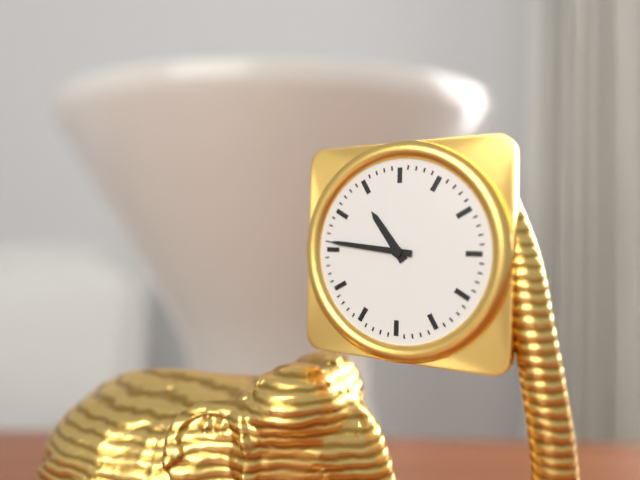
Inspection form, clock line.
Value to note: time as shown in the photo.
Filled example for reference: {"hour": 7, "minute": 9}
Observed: {"hour": 10, "minute": 46}
